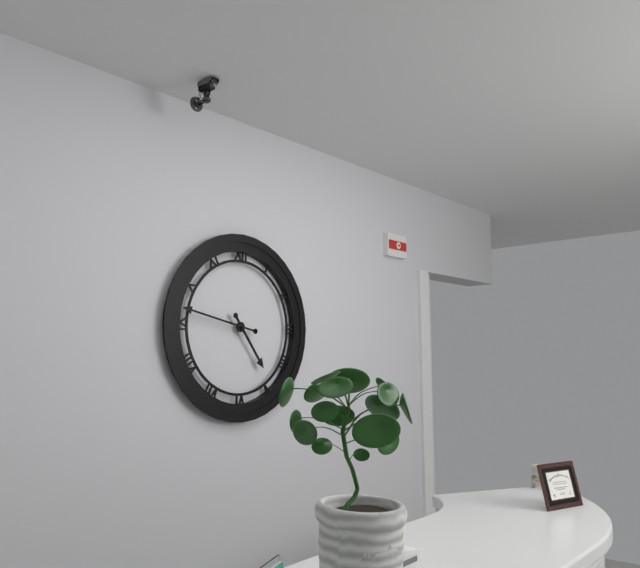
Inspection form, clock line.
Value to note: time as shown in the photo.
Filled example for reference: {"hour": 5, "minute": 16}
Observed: {"hour": 4, "minute": 47}
